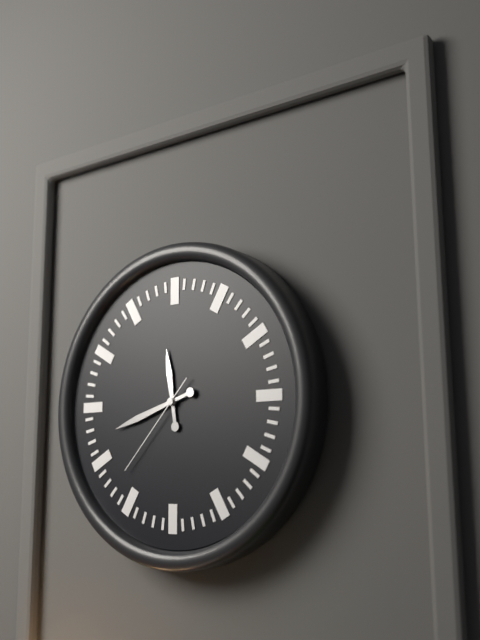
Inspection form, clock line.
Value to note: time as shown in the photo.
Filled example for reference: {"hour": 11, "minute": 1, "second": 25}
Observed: {"hour": 11, "minute": 42, "second": 37}
